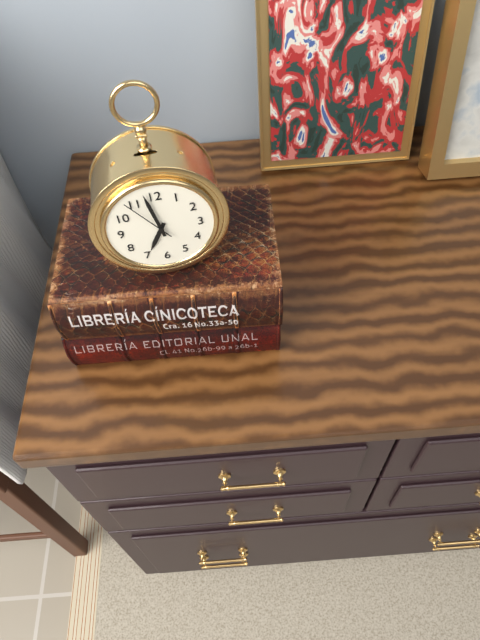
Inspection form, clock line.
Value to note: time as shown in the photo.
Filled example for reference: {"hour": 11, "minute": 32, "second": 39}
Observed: {"hour": 6, "minute": 58, "second": 54}
